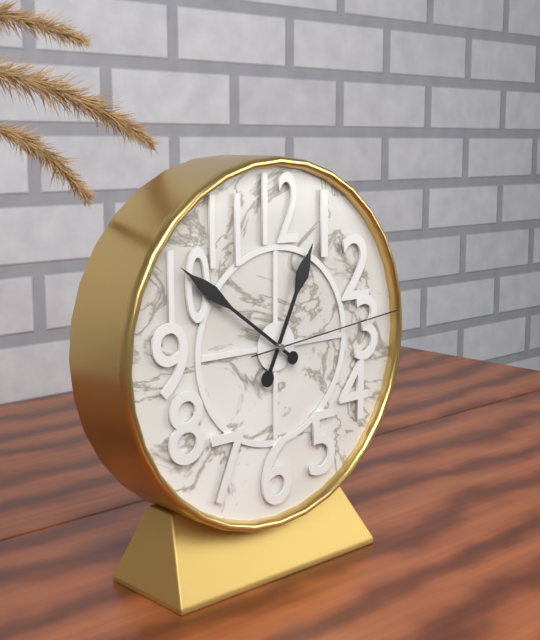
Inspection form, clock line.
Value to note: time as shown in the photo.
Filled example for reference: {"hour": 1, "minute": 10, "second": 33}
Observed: {"hour": 12, "minute": 51, "second": 14}
